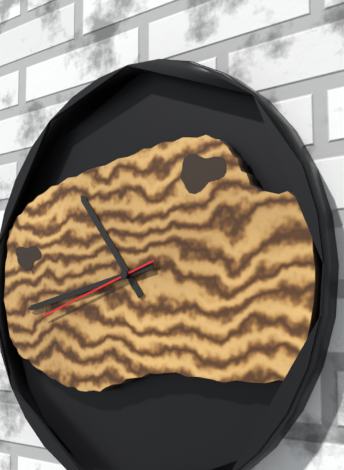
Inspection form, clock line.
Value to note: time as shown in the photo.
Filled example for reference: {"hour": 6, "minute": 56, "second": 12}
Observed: {"hour": 10, "minute": 43, "second": 42}
